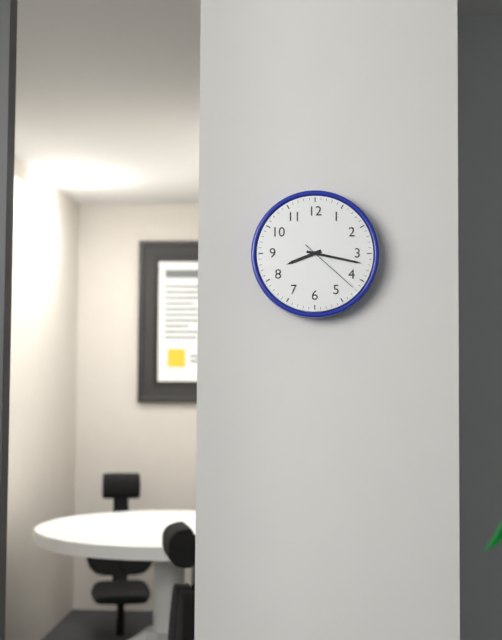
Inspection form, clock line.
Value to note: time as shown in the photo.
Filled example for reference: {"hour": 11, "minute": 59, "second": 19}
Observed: {"hour": 8, "minute": 17, "second": 22}
